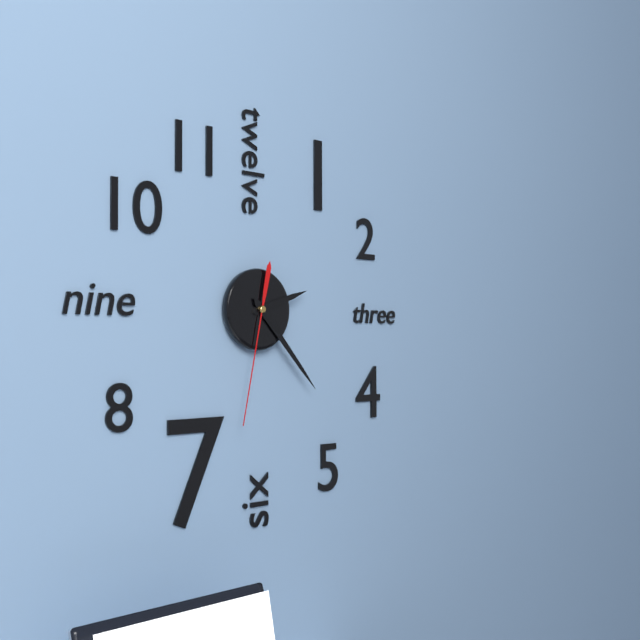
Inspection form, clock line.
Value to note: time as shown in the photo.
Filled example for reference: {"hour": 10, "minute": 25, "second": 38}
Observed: {"hour": 2, "minute": 23, "second": 32}
